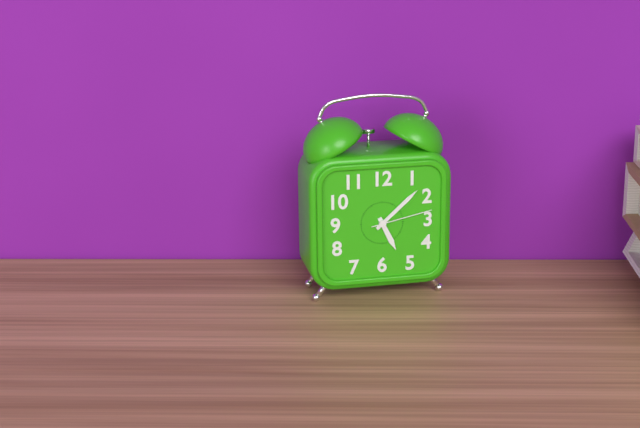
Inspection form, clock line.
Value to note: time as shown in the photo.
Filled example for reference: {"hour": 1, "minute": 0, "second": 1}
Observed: {"hour": 5, "minute": 8, "second": 13}
